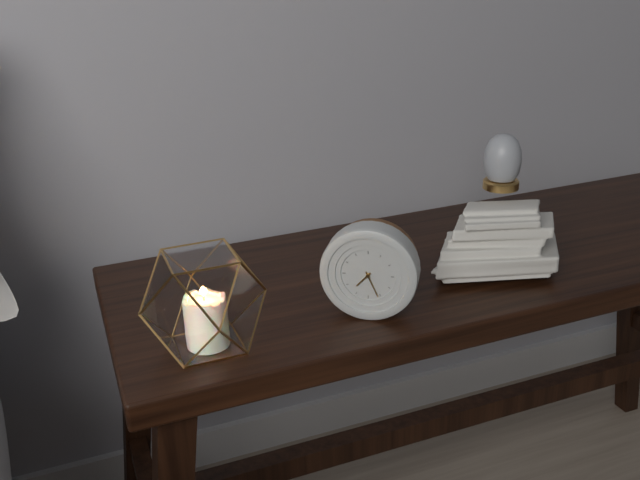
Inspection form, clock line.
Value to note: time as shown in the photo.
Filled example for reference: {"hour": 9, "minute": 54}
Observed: {"hour": 7, "minute": 26}
